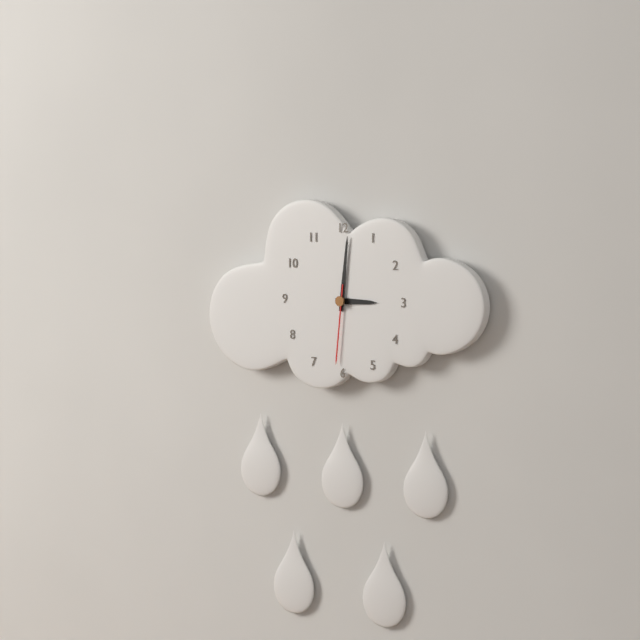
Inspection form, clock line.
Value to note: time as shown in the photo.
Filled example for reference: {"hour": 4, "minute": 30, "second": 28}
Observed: {"hour": 3, "minute": 1, "second": 31}
